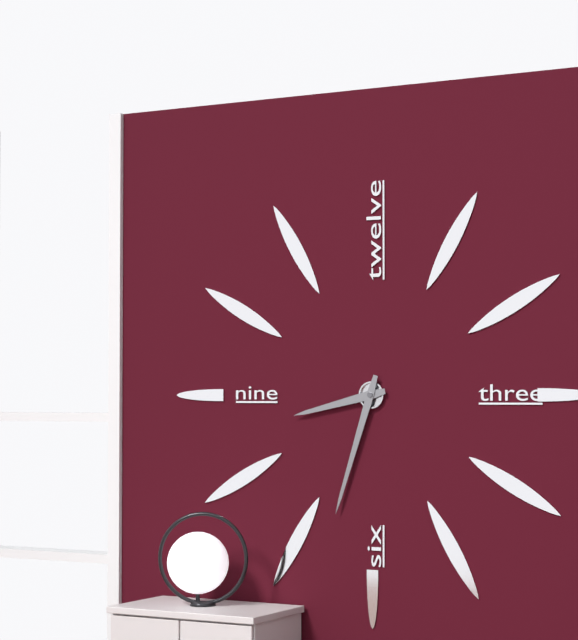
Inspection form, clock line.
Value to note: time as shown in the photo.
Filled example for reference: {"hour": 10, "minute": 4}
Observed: {"hour": 8, "minute": 33}
